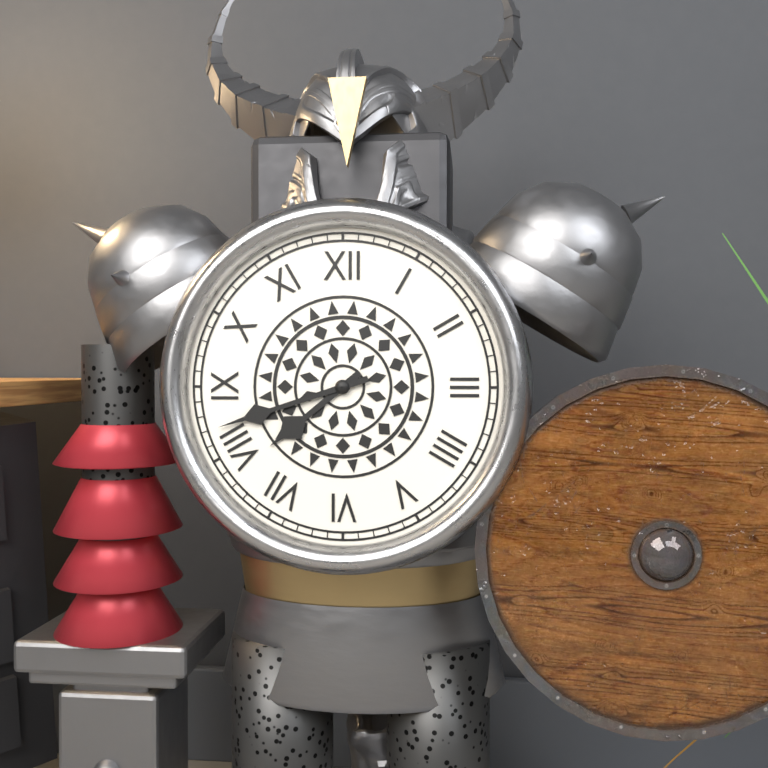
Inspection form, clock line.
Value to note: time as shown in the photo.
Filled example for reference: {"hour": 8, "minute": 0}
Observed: {"hour": 7, "minute": 42}
